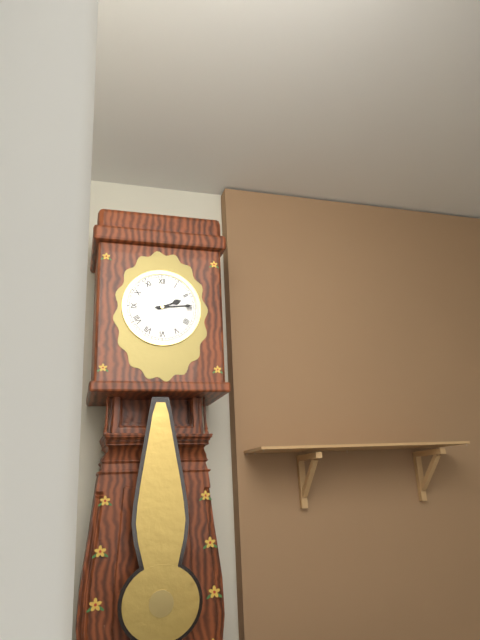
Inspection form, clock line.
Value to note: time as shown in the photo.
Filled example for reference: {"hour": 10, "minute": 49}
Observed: {"hour": 2, "minute": 14}
